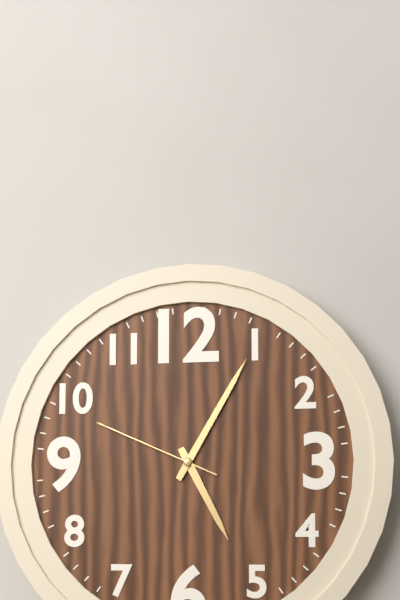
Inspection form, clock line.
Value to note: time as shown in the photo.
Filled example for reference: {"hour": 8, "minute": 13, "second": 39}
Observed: {"hour": 5, "minute": 5, "second": 49}
